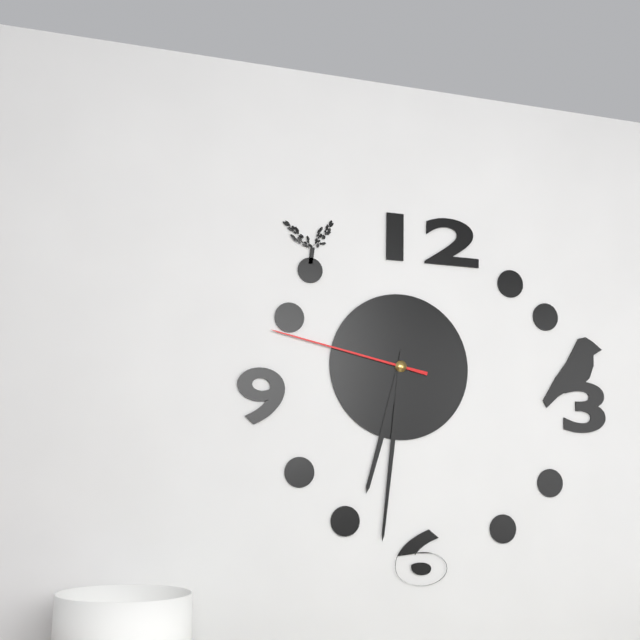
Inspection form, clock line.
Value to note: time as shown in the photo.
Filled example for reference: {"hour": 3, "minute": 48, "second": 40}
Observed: {"hour": 6, "minute": 31, "second": 47}
